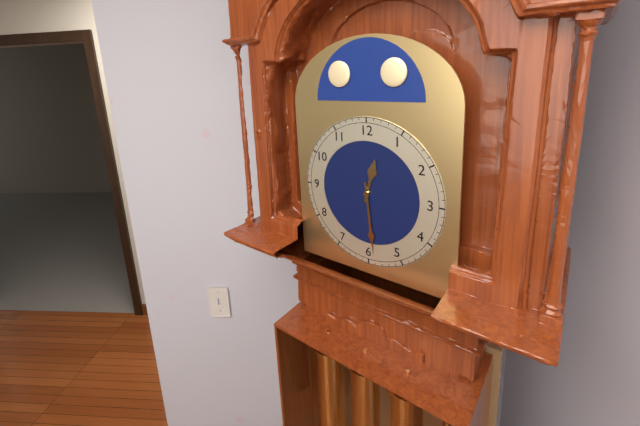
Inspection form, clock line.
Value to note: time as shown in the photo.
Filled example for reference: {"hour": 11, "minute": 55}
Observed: {"hour": 12, "minute": 29}
